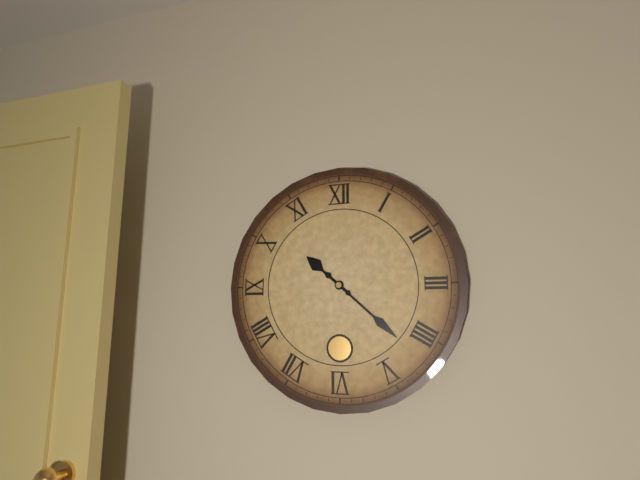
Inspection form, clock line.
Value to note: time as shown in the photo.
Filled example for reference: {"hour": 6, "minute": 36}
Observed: {"hour": 10, "minute": 22}
